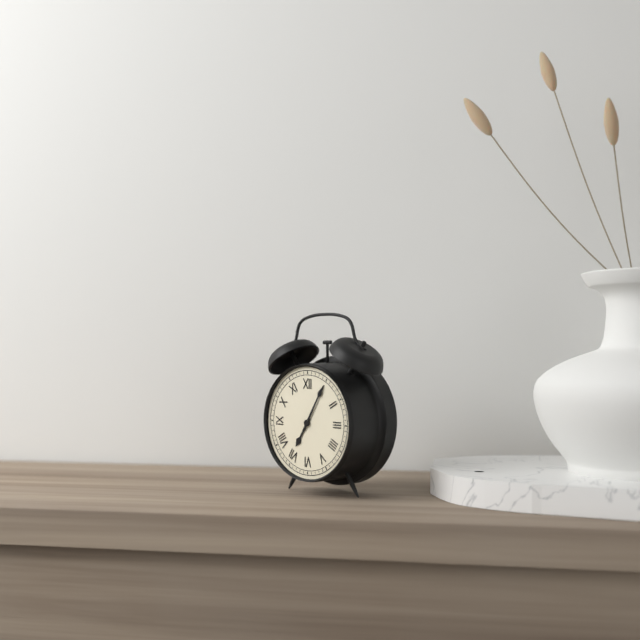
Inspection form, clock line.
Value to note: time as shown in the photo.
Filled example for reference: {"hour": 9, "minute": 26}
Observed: {"hour": 7, "minute": 5}
